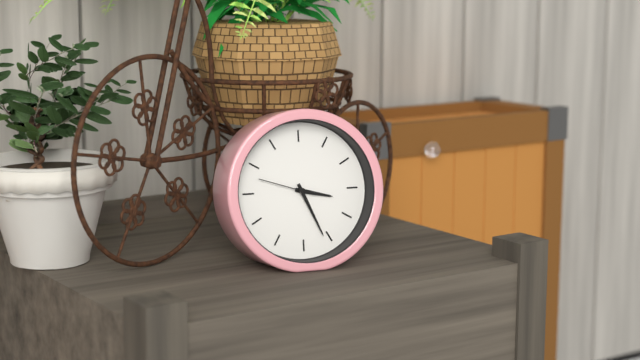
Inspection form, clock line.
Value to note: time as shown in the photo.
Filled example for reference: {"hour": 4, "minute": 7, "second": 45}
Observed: {"hour": 3, "minute": 26, "second": 48}
